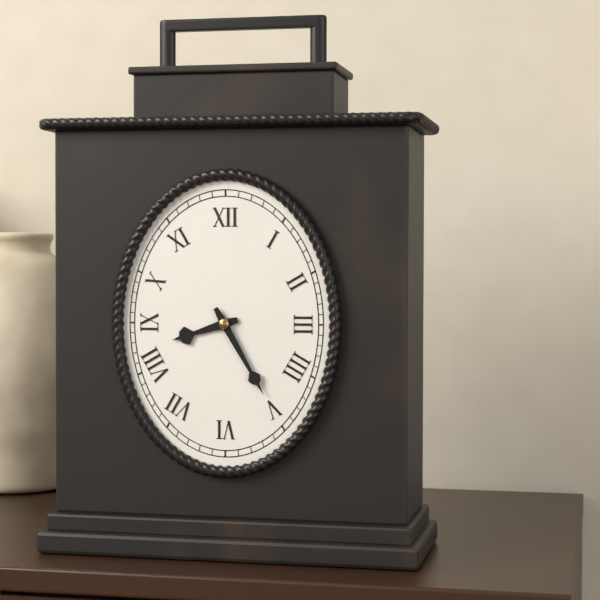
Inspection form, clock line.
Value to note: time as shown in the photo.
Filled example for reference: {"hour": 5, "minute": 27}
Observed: {"hour": 8, "minute": 25}
